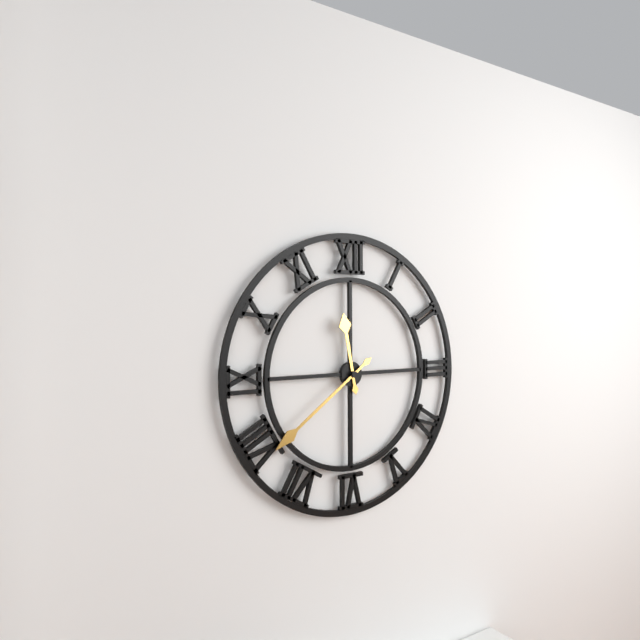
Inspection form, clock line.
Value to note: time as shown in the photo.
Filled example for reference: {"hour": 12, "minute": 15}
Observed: {"hour": 11, "minute": 39}
